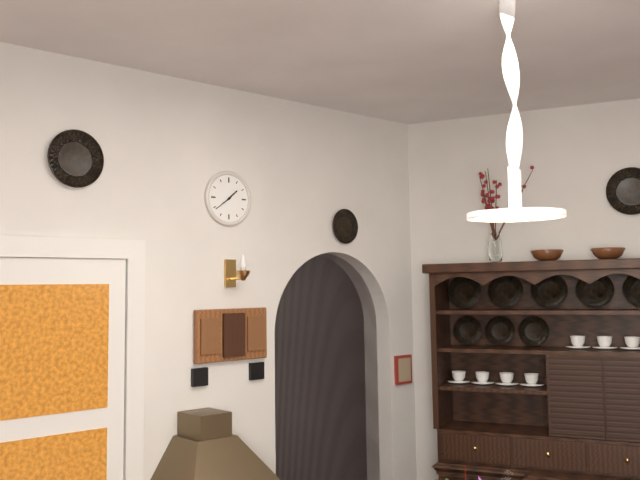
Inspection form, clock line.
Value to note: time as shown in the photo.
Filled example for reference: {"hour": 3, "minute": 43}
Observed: {"hour": 1, "minute": 39}
